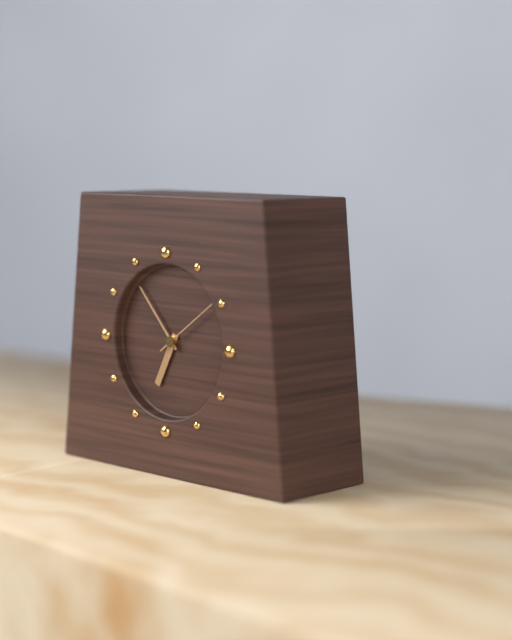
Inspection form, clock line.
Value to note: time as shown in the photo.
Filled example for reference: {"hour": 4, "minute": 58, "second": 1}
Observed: {"hour": 6, "minute": 53, "second": 9}
